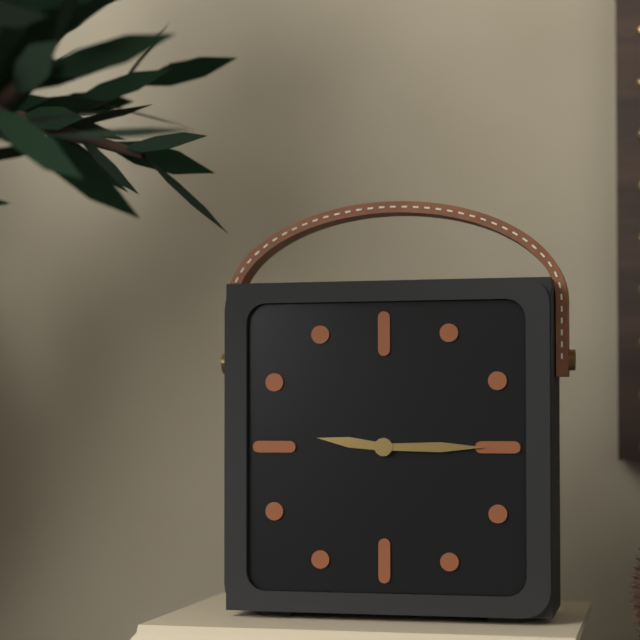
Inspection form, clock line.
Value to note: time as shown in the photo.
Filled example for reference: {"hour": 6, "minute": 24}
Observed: {"hour": 9, "minute": 15}
